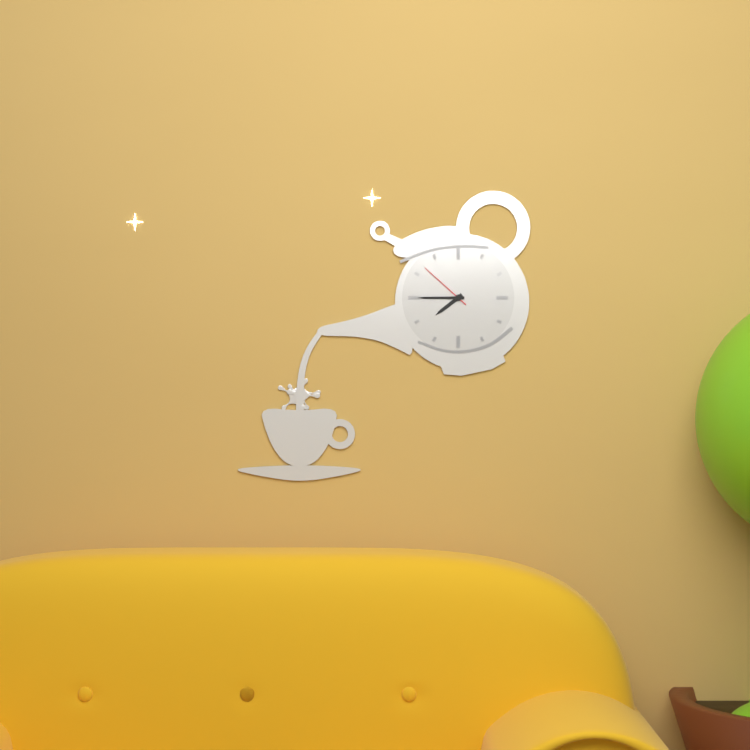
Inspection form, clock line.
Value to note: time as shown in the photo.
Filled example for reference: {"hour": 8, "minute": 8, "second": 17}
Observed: {"hour": 7, "minute": 45, "second": 52}
